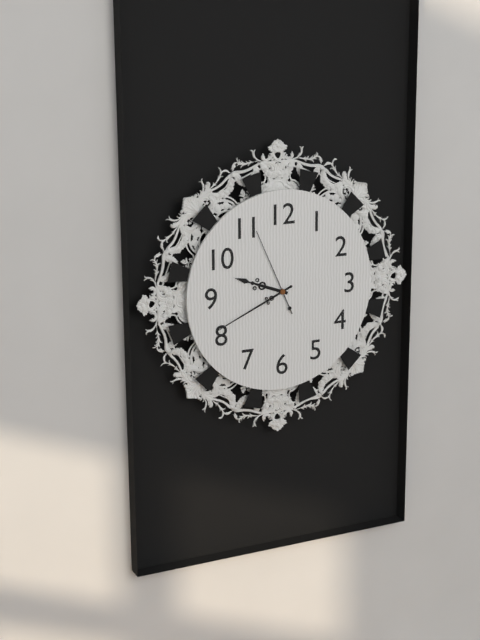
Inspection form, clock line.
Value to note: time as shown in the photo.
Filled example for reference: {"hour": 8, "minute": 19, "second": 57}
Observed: {"hour": 9, "minute": 41, "second": 56}
